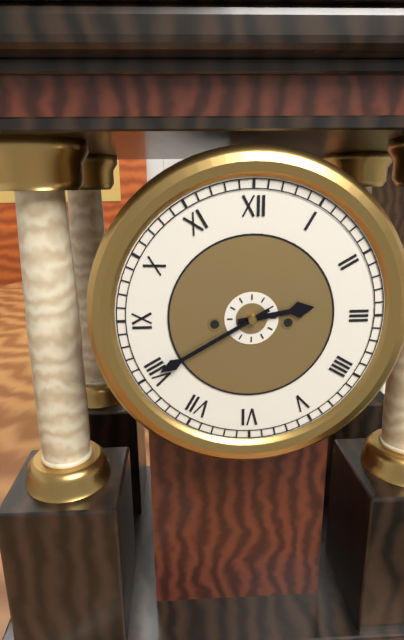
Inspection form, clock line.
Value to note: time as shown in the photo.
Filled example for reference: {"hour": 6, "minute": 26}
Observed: {"hour": 2, "minute": 40}
